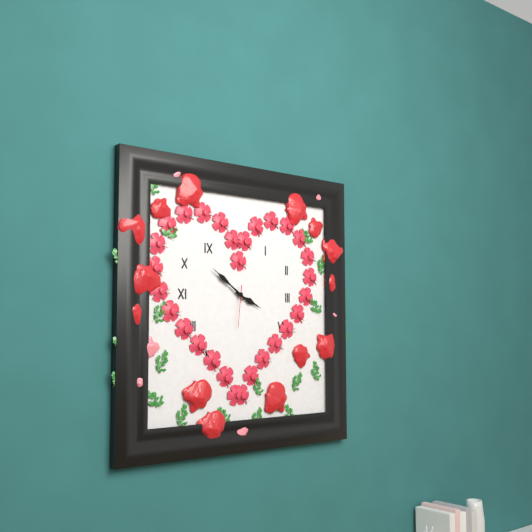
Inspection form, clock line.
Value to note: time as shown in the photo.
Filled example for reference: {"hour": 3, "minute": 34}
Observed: {"hour": 3, "minute": 51}
